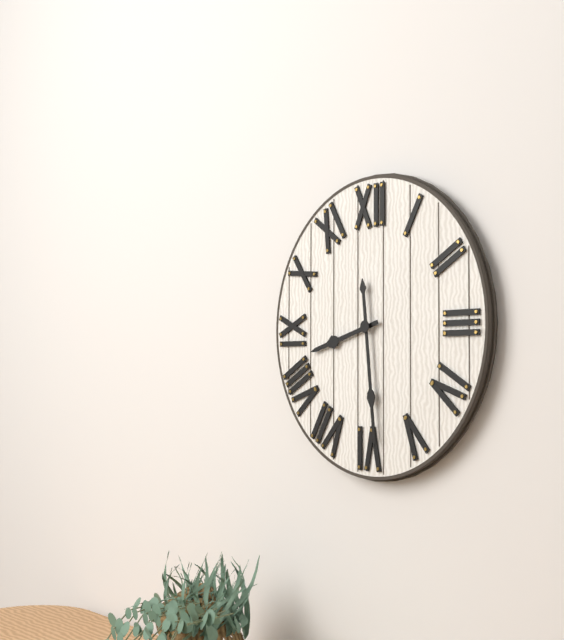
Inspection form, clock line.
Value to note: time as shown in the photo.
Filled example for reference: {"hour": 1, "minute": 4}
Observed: {"hour": 8, "minute": 29}
